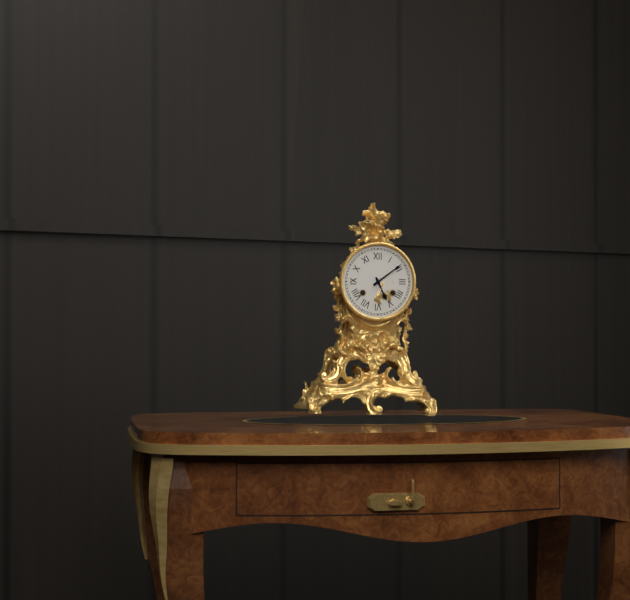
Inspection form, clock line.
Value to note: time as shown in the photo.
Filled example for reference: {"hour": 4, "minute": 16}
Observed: {"hour": 5, "minute": 9}
